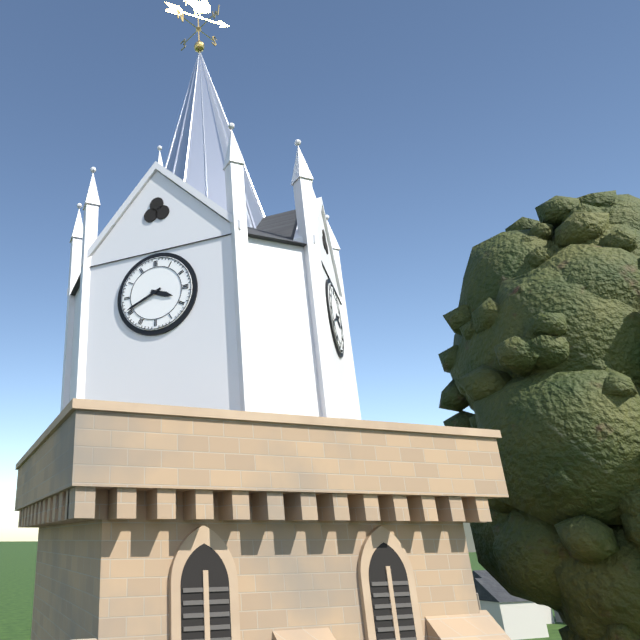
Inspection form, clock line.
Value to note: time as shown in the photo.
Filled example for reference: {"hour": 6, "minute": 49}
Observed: {"hour": 3, "minute": 41}
